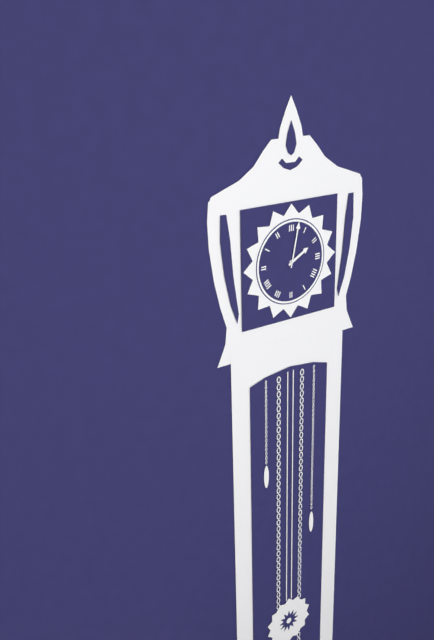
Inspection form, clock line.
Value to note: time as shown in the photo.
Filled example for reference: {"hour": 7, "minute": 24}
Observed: {"hour": 2, "minute": 2}
